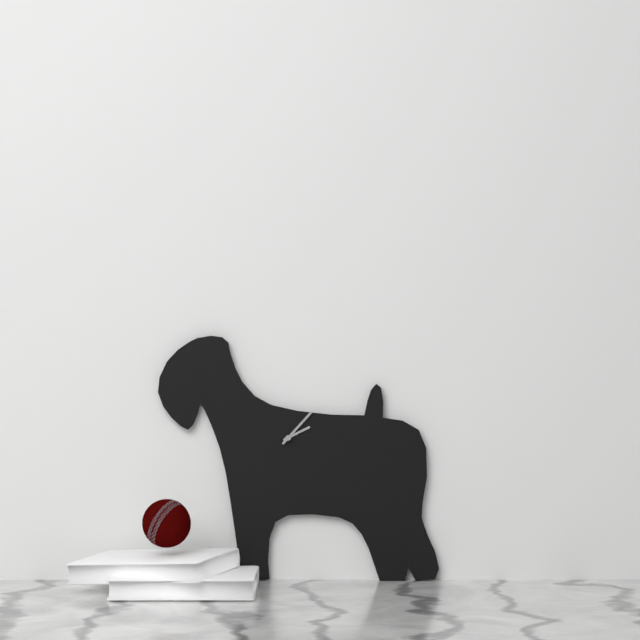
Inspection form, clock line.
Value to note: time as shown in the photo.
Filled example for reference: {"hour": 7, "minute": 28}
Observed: {"hour": 2, "minute": 7}
